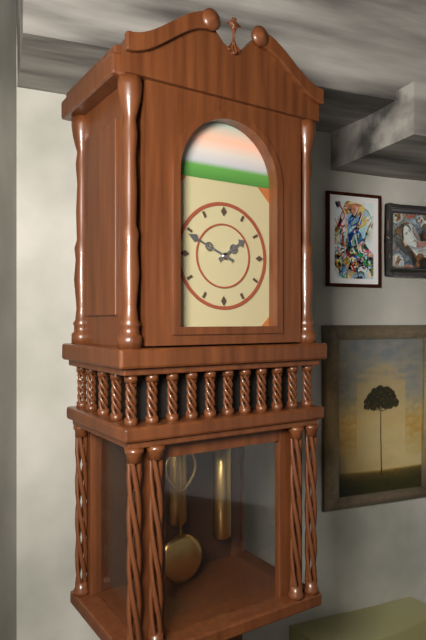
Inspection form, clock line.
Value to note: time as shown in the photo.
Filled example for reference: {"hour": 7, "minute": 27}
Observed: {"hour": 1, "minute": 49}
